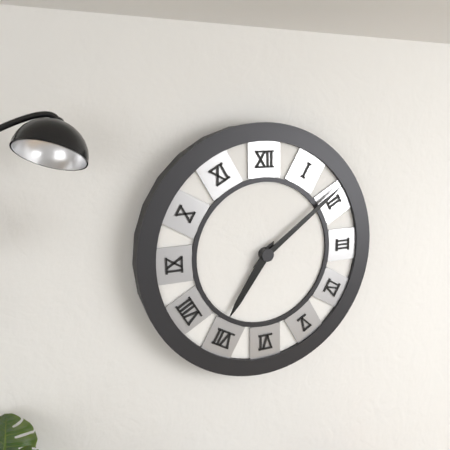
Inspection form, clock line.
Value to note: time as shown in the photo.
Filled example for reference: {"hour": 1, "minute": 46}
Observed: {"hour": 7, "minute": 9}
